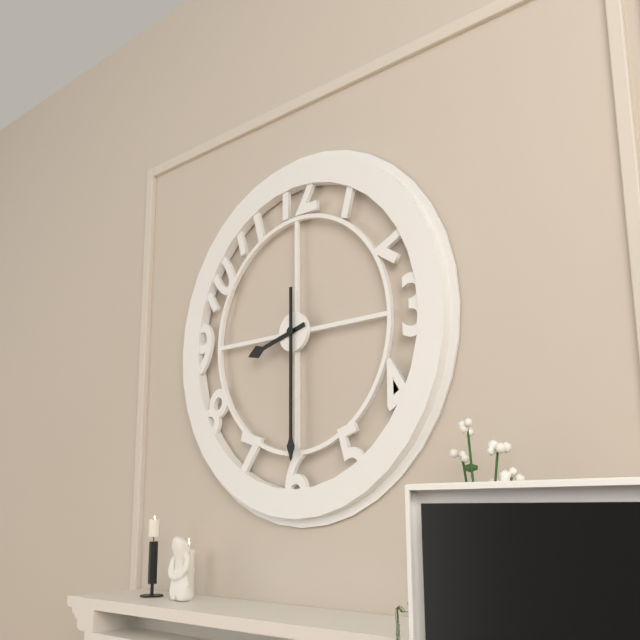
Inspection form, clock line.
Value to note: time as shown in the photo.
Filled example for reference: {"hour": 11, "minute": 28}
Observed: {"hour": 8, "minute": 30}
